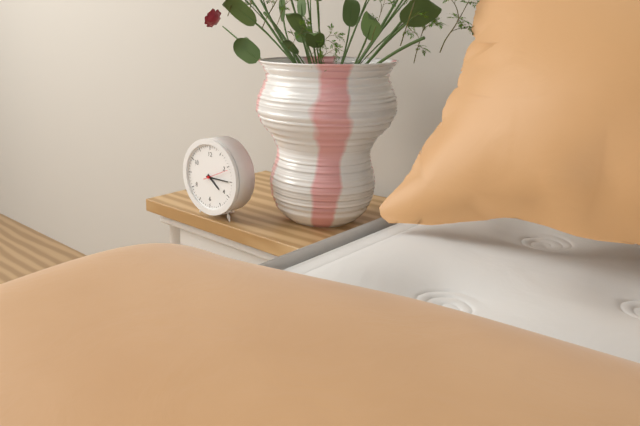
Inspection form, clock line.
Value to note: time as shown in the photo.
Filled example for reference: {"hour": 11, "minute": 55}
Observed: {"hour": 4, "minute": 15}
